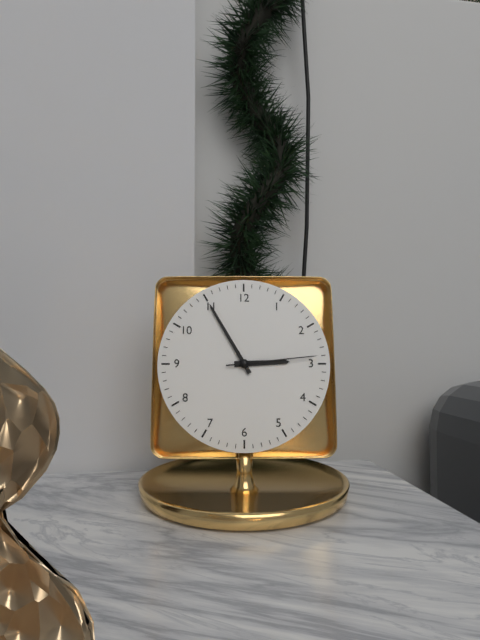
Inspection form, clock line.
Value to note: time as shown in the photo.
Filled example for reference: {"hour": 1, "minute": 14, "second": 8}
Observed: {"hour": 2, "minute": 55, "second": 14}
